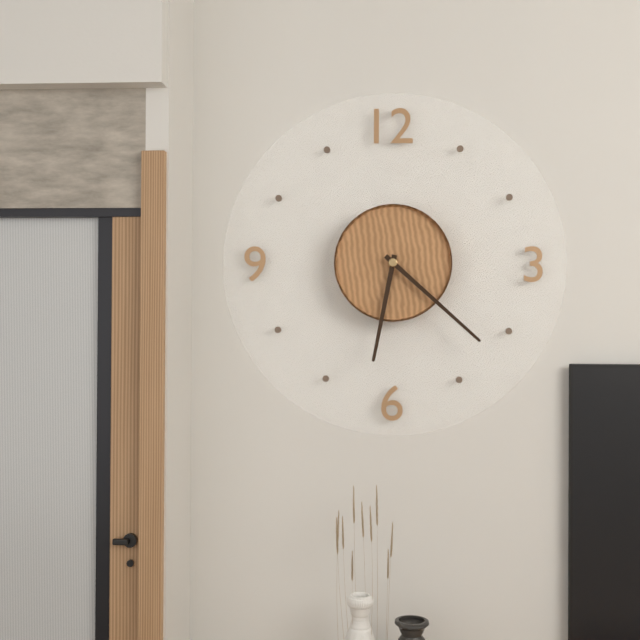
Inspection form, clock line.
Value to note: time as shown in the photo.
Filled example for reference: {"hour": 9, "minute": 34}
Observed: {"hour": 6, "minute": 22}
